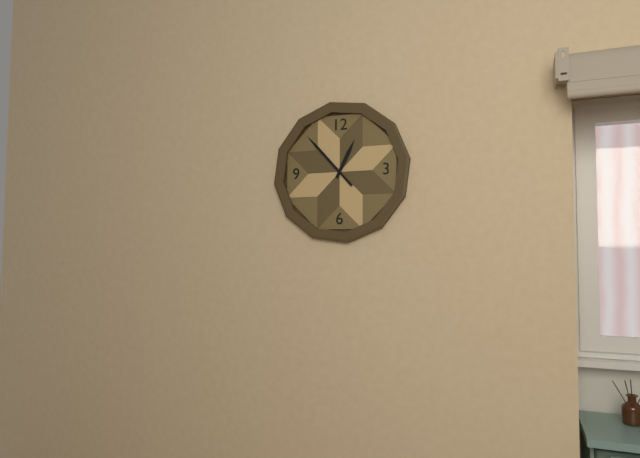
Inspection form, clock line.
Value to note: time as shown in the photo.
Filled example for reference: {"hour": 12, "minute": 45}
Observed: {"hour": 12, "minute": 53}
